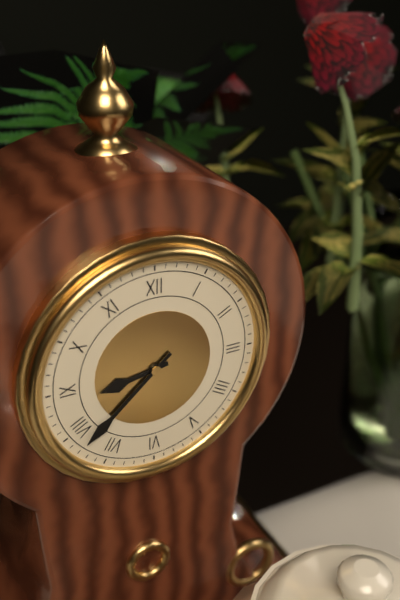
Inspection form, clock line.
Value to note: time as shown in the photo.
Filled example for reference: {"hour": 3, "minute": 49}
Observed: {"hour": 8, "minute": 38}
